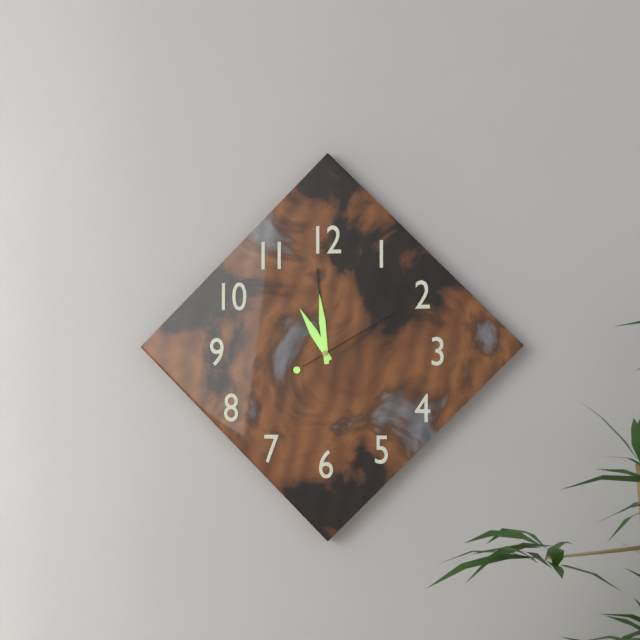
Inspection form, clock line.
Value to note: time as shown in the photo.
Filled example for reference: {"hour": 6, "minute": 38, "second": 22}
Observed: {"hour": 10, "minute": 59, "second": 10}
